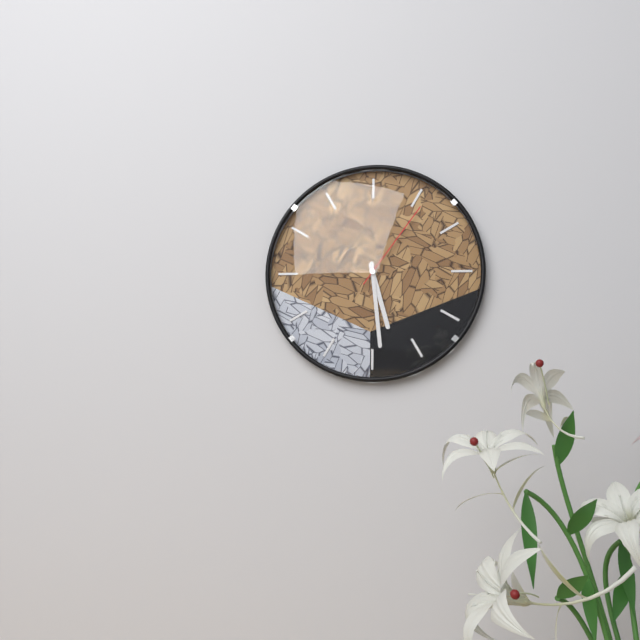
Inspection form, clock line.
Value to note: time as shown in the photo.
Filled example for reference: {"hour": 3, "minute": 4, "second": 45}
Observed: {"hour": 5, "minute": 29, "second": 6}
